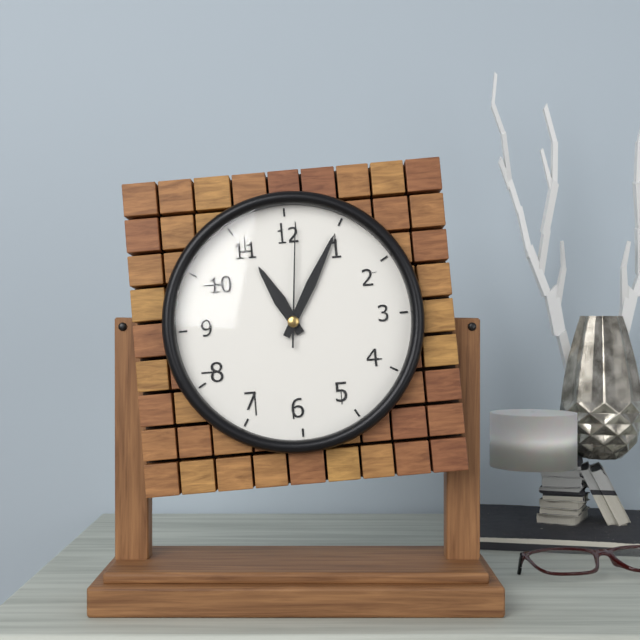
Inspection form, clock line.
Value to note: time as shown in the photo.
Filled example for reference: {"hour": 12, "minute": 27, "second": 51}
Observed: {"hour": 11, "minute": 5, "second": 1}
